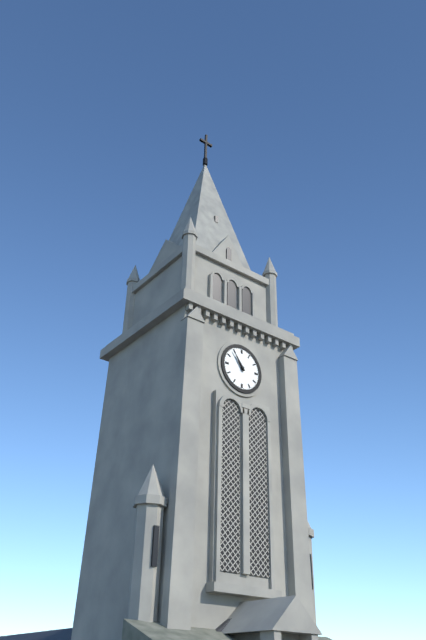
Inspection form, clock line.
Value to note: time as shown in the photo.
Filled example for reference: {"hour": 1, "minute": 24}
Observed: {"hour": 10, "minute": 54}
